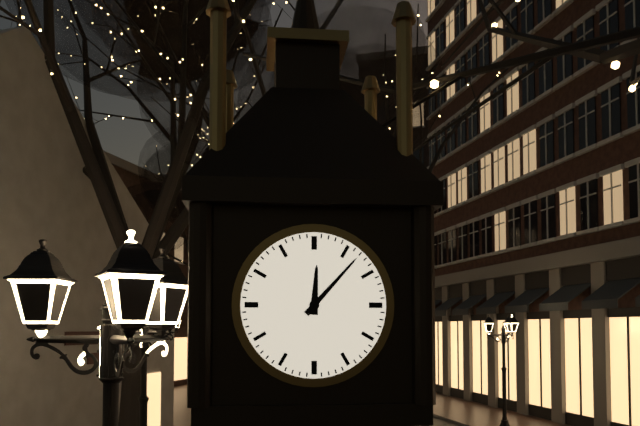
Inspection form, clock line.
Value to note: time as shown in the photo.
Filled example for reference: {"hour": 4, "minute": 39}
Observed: {"hour": 12, "minute": 7}
